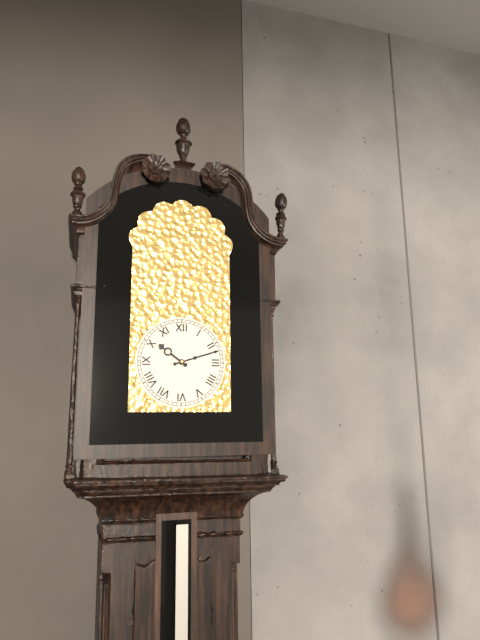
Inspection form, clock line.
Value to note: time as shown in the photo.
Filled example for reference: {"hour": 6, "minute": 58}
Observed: {"hour": 10, "minute": 12}
